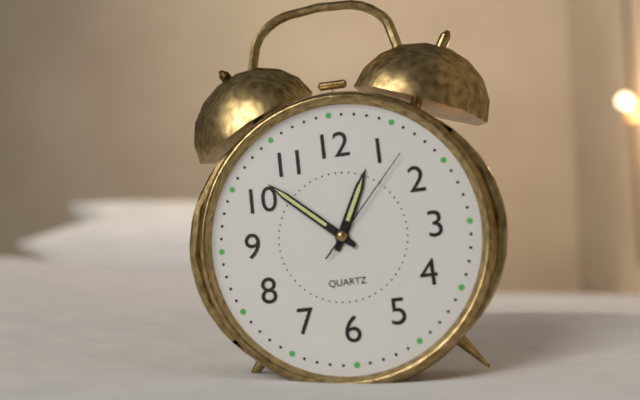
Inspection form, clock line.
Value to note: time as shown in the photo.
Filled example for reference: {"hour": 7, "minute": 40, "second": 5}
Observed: {"hour": 12, "minute": 52, "second": 7}
